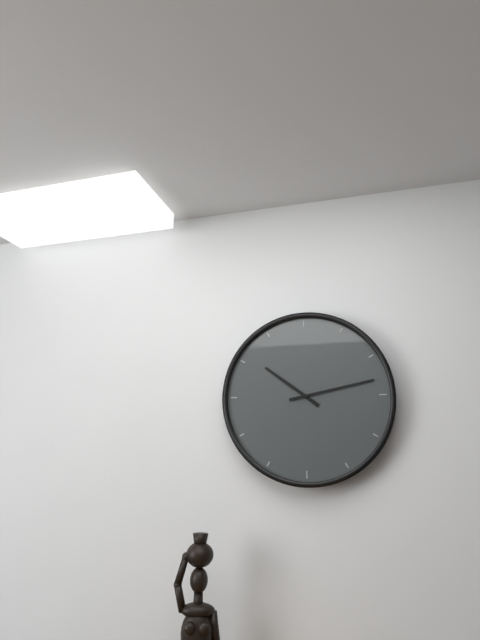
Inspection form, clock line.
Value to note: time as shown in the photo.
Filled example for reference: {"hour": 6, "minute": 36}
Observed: {"hour": 10, "minute": 13}
